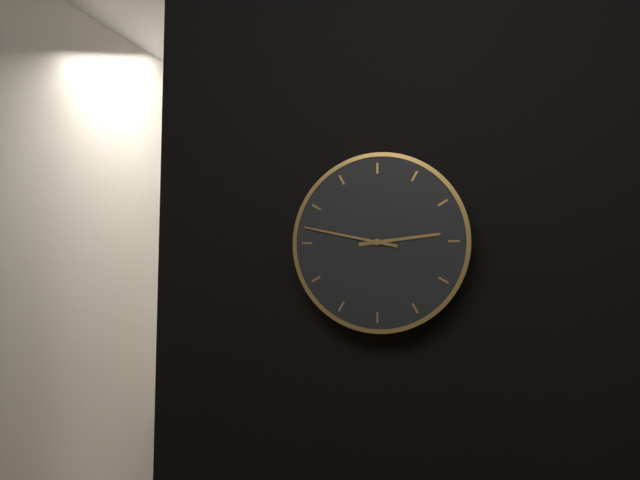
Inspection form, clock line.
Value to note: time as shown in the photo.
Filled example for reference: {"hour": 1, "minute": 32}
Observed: {"hour": 2, "minute": 47}
